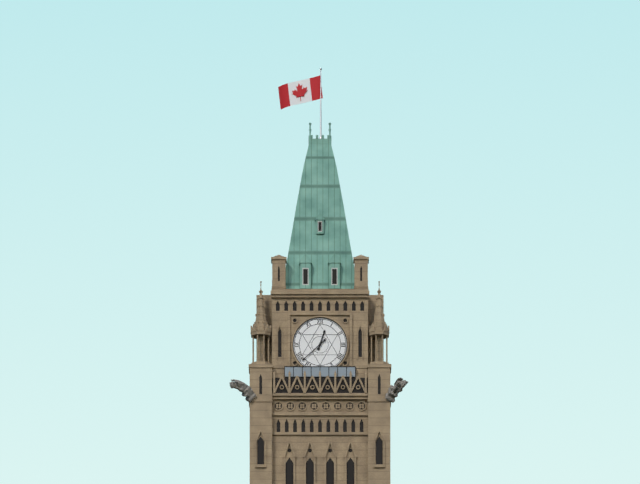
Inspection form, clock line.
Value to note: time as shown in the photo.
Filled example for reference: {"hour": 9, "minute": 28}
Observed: {"hour": 12, "minute": 38}
